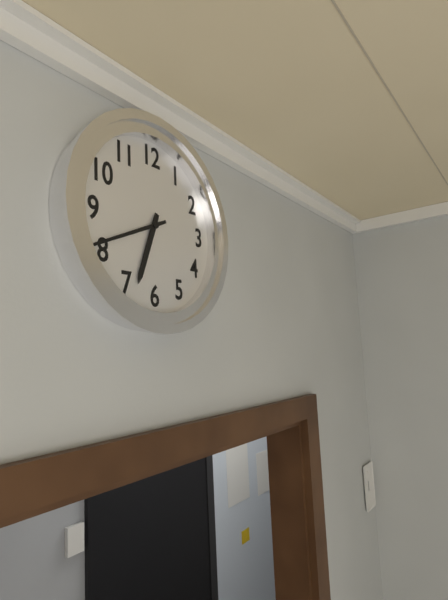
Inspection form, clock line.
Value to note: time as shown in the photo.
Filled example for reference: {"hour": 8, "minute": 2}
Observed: {"hour": 6, "minute": 41}
